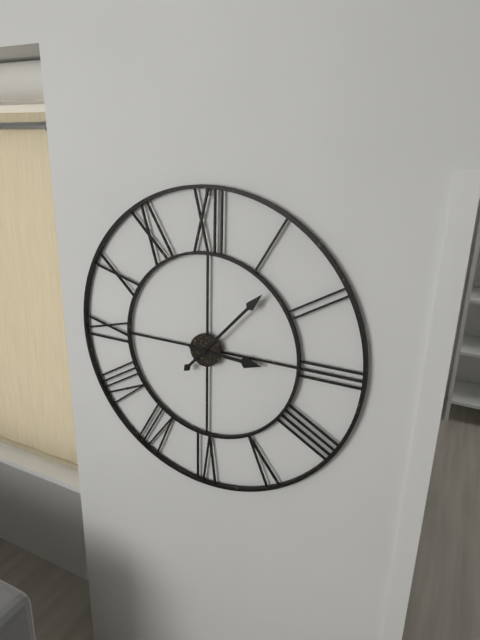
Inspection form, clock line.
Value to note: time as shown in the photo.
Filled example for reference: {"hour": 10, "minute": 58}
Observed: {"hour": 3, "minute": 7}
